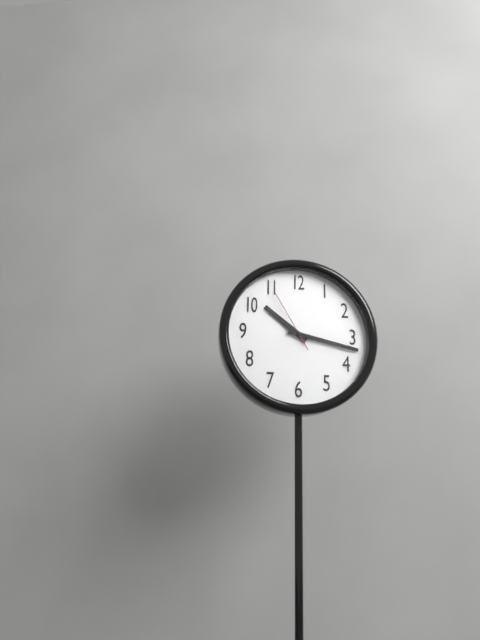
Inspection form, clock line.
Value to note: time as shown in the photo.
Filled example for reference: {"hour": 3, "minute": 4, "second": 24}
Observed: {"hour": 10, "minute": 17, "second": 55}
